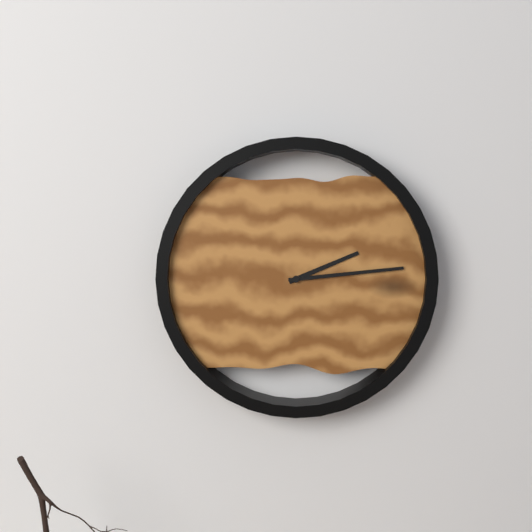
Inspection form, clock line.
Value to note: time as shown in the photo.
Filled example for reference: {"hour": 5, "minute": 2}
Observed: {"hour": 2, "minute": 14}
